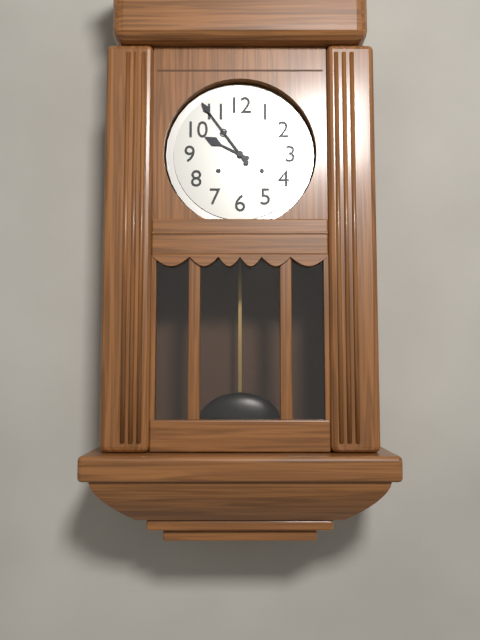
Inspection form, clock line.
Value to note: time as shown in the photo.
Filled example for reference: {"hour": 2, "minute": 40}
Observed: {"hour": 9, "minute": 54}
